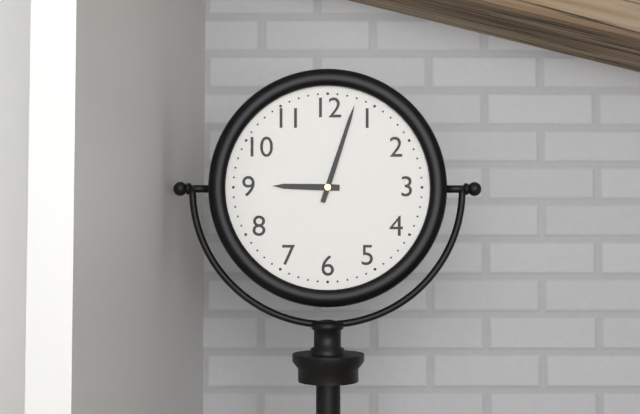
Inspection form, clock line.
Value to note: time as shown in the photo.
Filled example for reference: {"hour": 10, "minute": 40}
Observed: {"hour": 9, "minute": 3}
